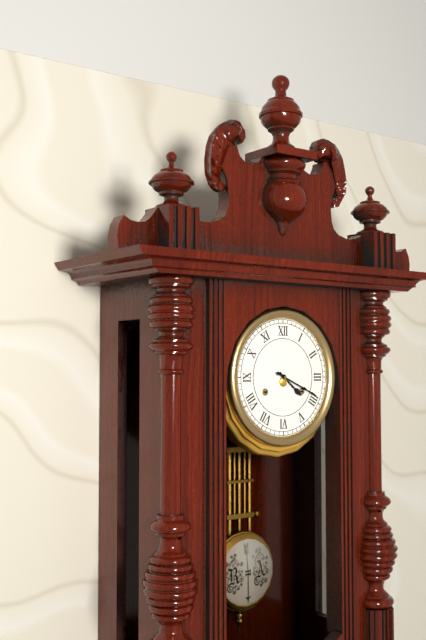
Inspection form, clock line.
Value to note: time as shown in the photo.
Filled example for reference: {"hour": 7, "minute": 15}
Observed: {"hour": 4, "minute": 19}
